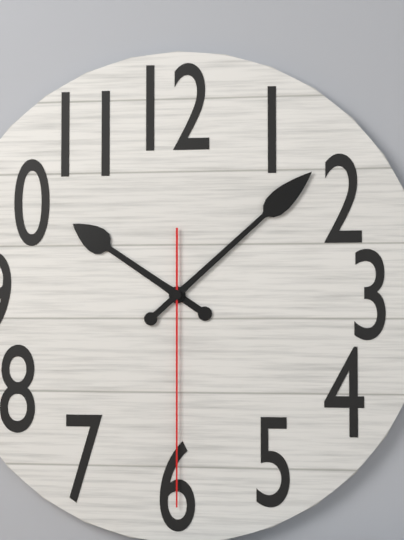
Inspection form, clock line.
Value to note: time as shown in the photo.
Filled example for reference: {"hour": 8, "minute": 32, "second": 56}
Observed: {"hour": 10, "minute": 8, "second": 30}
